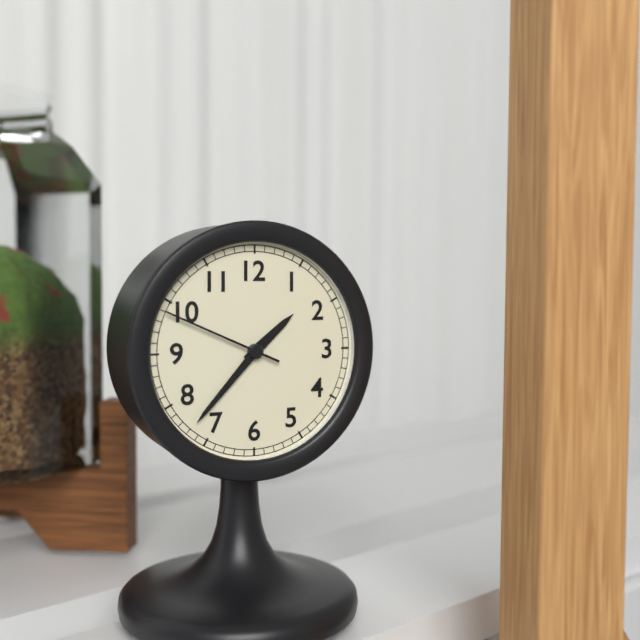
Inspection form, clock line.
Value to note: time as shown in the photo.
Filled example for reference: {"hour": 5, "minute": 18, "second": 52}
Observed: {"hour": 1, "minute": 37, "second": 49}
